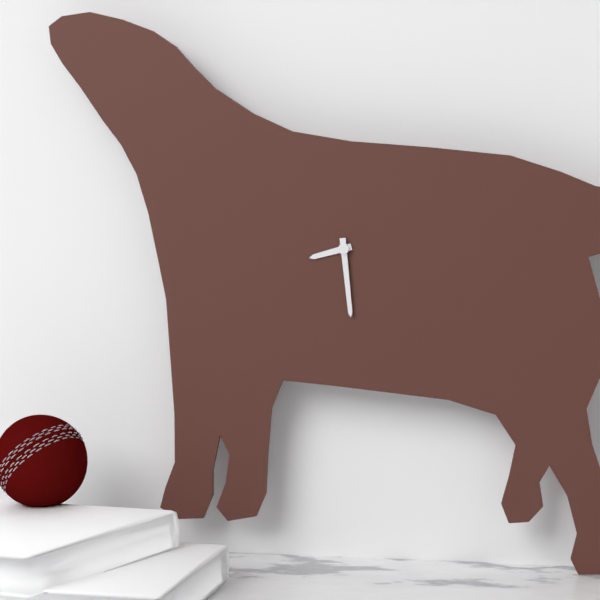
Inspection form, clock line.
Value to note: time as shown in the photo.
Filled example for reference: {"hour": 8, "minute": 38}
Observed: {"hour": 8, "minute": 29}
